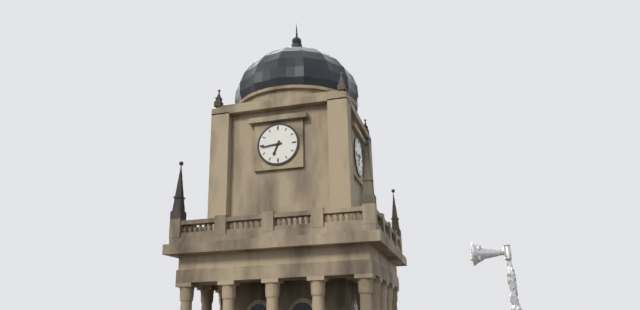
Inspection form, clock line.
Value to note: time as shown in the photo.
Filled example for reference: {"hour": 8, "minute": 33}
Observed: {"hour": 6, "minute": 44}
